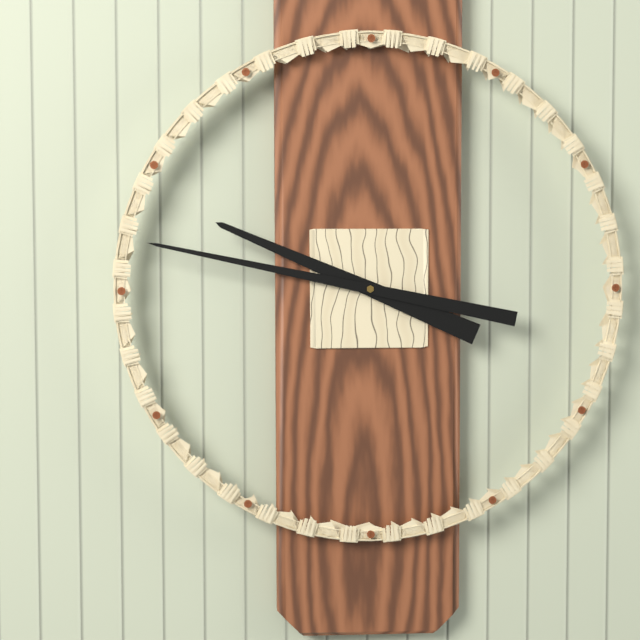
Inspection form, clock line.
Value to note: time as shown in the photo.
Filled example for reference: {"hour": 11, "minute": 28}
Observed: {"hour": 9, "minute": 47}
